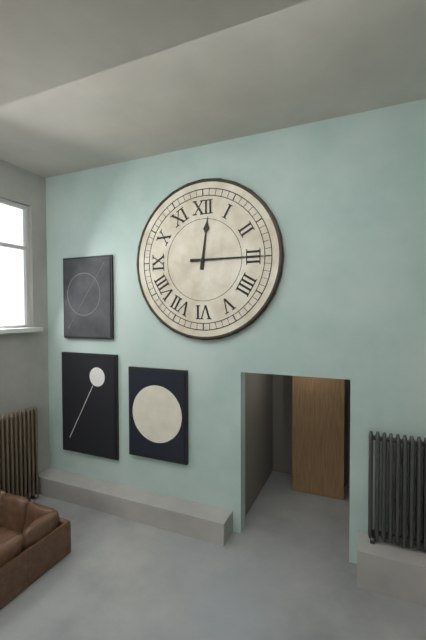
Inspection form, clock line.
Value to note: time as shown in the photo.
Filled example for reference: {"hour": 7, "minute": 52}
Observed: {"hour": 12, "minute": 15}
